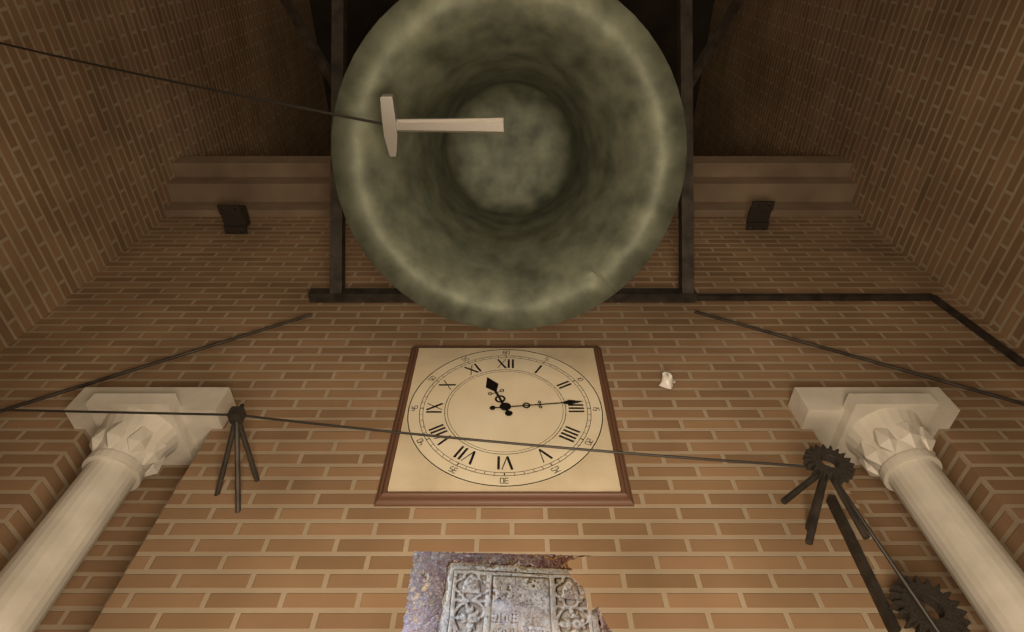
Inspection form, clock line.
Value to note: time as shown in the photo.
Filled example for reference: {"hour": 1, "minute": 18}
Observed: {"hour": 11, "minute": 14}
